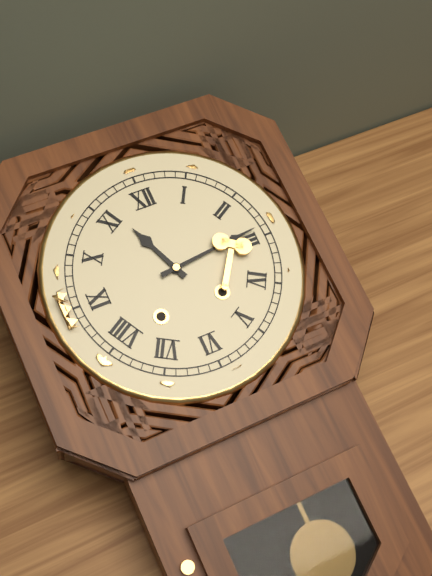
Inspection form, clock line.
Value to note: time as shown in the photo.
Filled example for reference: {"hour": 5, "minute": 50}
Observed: {"hour": 11, "minute": 14}
